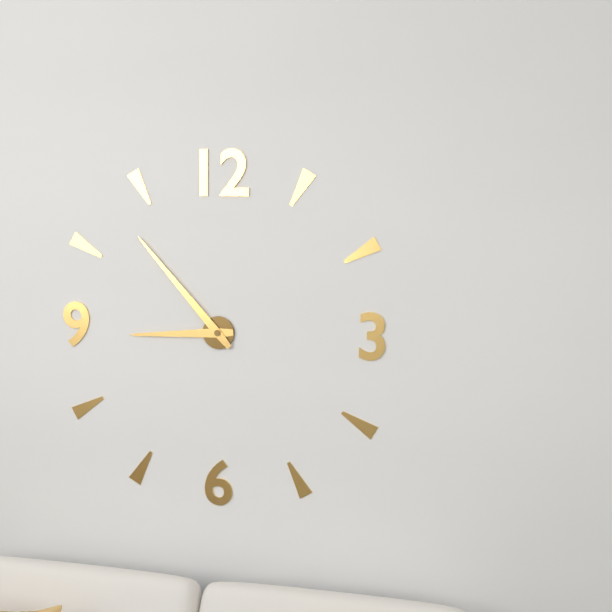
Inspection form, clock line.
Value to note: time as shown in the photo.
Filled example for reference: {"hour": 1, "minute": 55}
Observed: {"hour": 8, "minute": 53}
